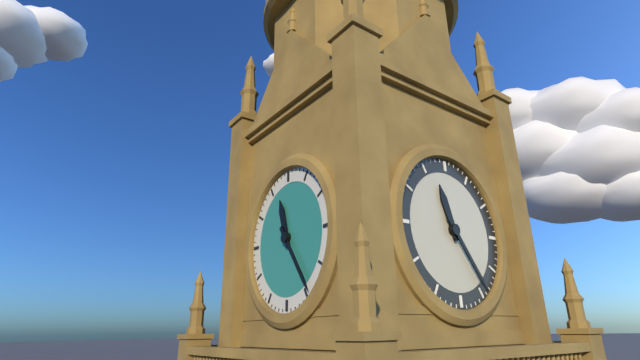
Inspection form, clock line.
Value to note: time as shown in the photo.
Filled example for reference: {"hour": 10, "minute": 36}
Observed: {"hour": 11, "minute": 24}
